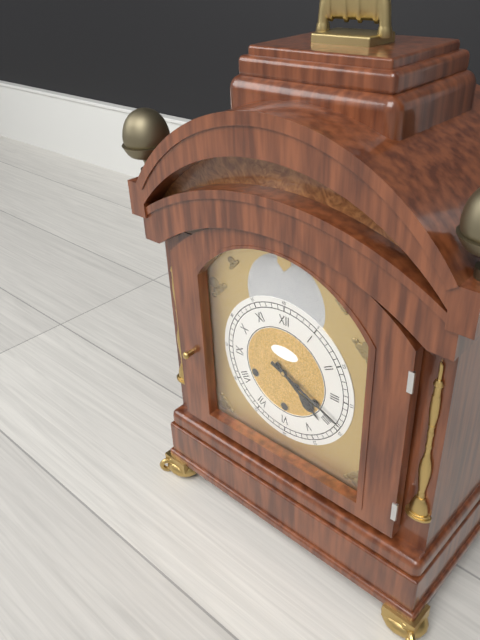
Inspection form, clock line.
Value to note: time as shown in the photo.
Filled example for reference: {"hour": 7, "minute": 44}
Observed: {"hour": 4, "minute": 19}
